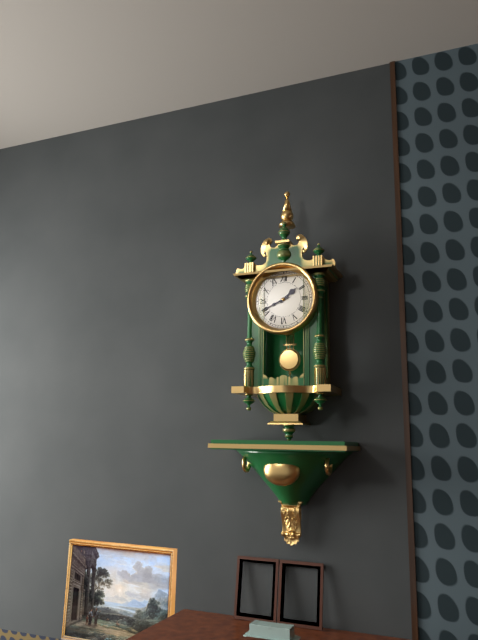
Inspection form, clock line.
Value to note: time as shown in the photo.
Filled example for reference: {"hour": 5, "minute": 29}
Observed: {"hour": 1, "minute": 41}
